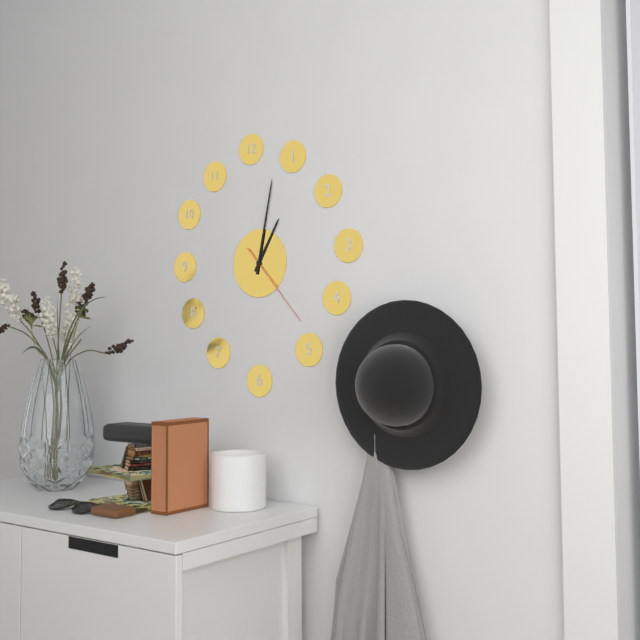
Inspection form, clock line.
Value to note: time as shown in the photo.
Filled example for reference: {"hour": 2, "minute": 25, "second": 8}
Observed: {"hour": 1, "minute": 2, "second": 23}
